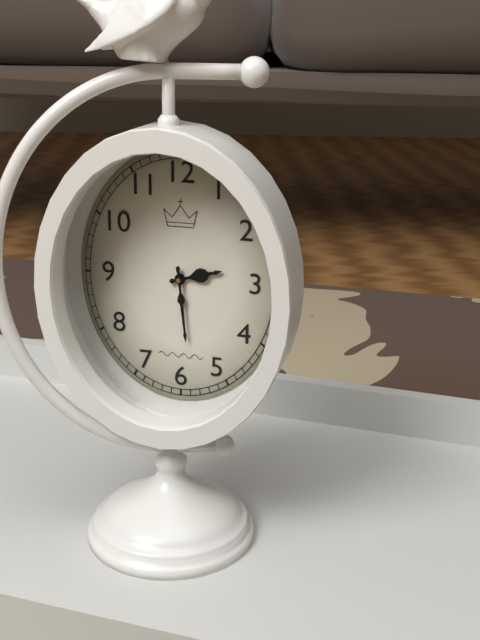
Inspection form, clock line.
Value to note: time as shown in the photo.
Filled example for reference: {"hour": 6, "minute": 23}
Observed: {"hour": 2, "minute": 29}
